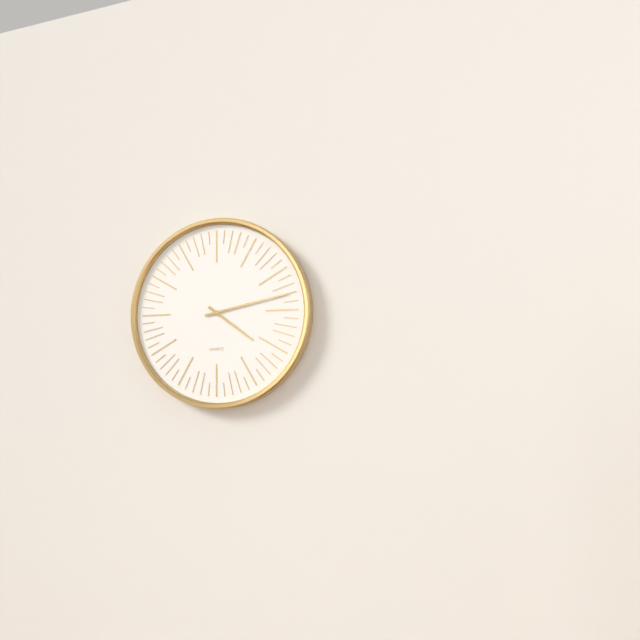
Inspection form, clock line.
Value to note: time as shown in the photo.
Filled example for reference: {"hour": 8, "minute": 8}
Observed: {"hour": 4, "minute": 13}
